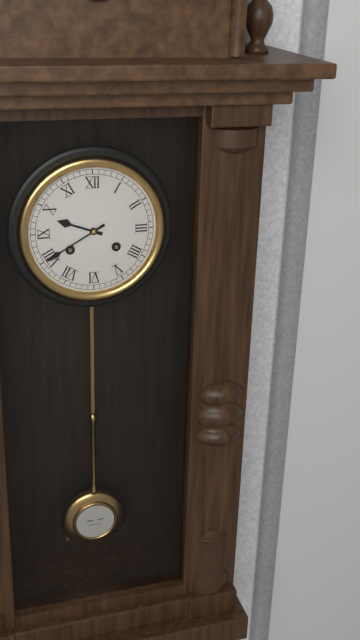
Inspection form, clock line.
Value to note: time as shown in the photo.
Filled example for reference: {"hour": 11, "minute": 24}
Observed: {"hour": 9, "minute": 40}
